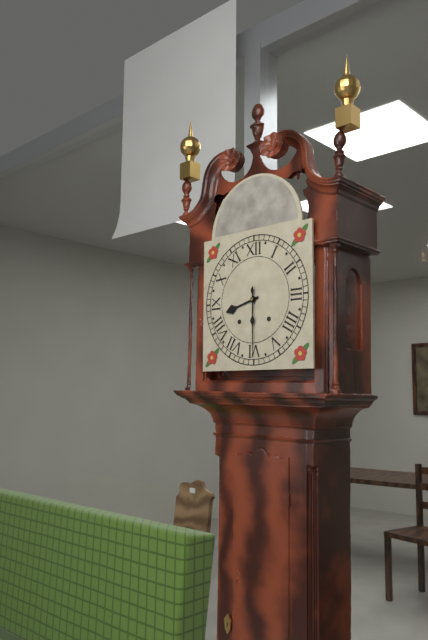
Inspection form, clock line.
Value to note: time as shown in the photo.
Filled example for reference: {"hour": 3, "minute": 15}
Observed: {"hour": 8, "minute": 30}
